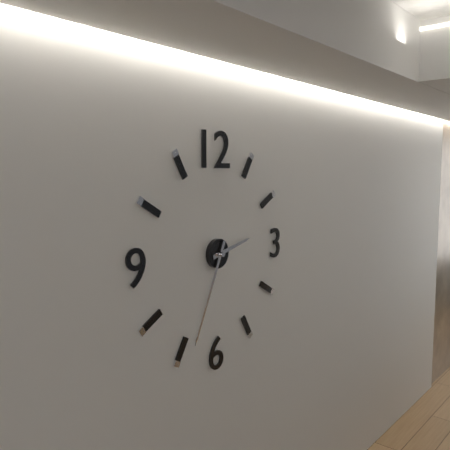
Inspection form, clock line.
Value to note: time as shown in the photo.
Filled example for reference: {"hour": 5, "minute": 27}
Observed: {"hour": 2, "minute": 34}
